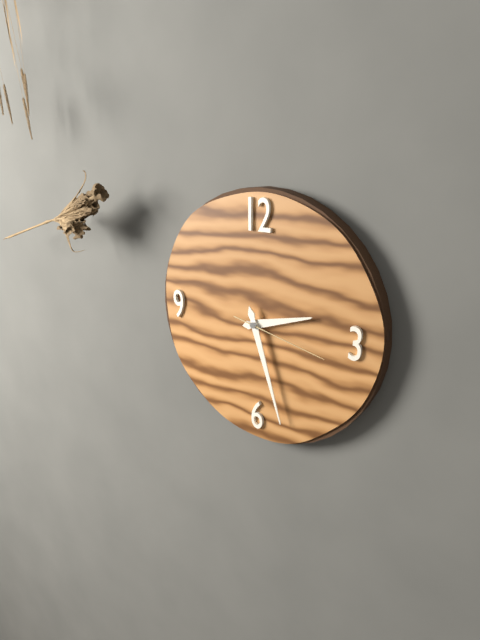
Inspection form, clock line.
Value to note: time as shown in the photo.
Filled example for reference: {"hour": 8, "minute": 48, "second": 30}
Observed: {"hour": 2, "minute": 27, "second": 17}
